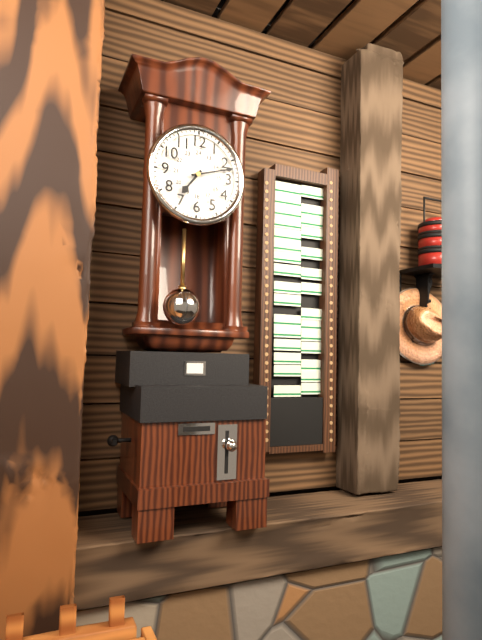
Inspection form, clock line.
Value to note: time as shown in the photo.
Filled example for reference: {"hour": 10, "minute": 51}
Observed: {"hour": 7, "minute": 12}
